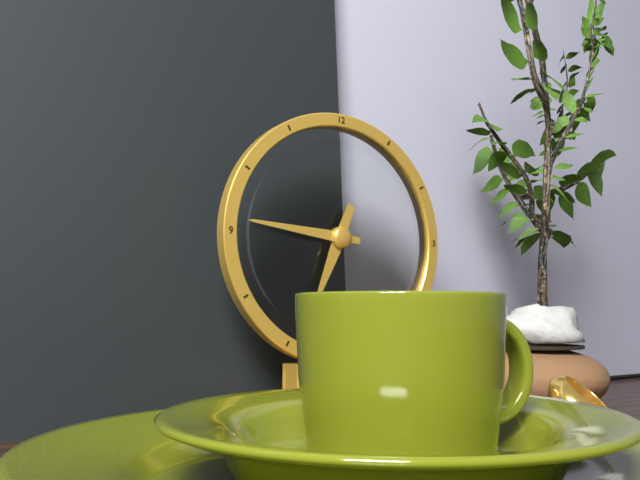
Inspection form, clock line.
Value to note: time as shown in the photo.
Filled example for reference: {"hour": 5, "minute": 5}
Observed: {"hour": 6, "minute": 46}
